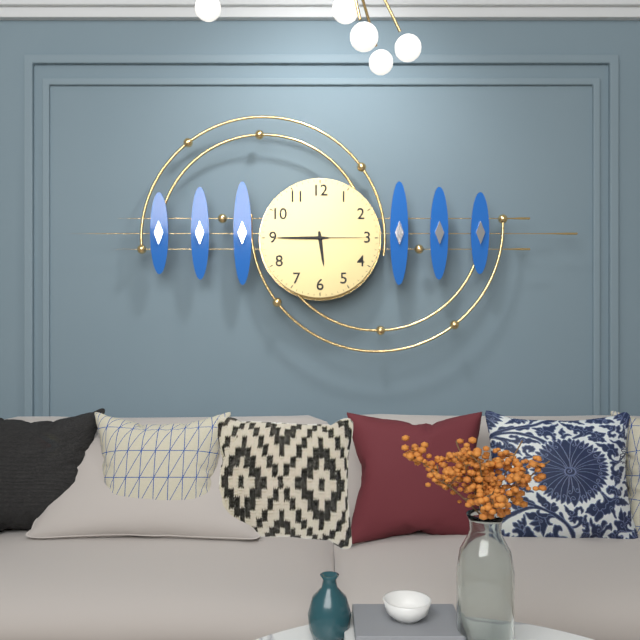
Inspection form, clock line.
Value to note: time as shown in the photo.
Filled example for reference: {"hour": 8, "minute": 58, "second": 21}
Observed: {"hour": 5, "minute": 45, "second": 15}
